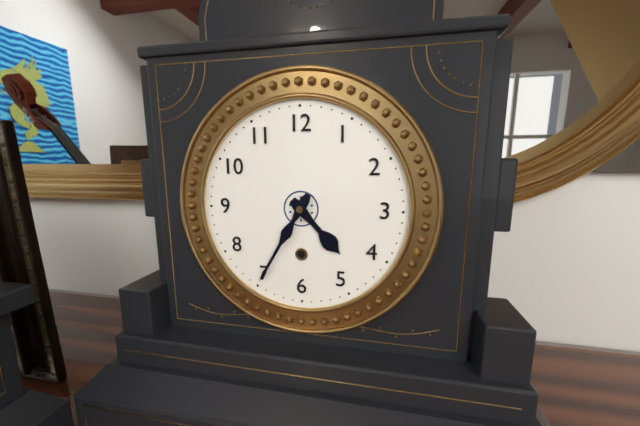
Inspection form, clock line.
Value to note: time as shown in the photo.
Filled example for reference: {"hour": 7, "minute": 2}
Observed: {"hour": 4, "minute": 35}
